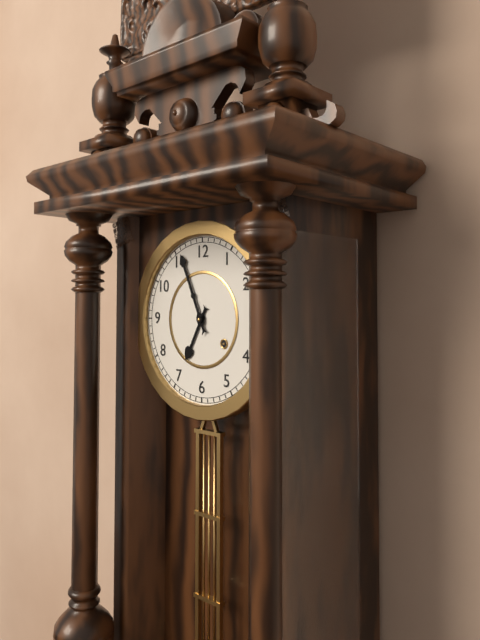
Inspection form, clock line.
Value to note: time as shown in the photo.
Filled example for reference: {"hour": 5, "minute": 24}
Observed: {"hour": 6, "minute": 56}
